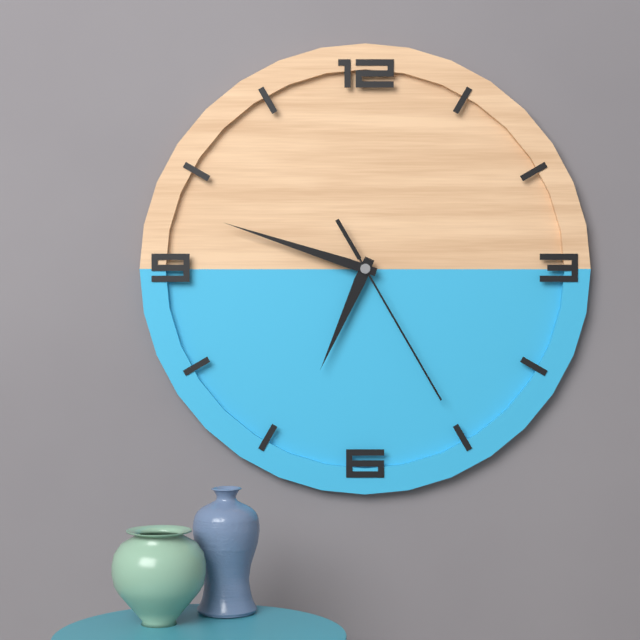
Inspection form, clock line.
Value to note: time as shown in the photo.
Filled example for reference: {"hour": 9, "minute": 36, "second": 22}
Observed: {"hour": 6, "minute": 48, "second": 25}
